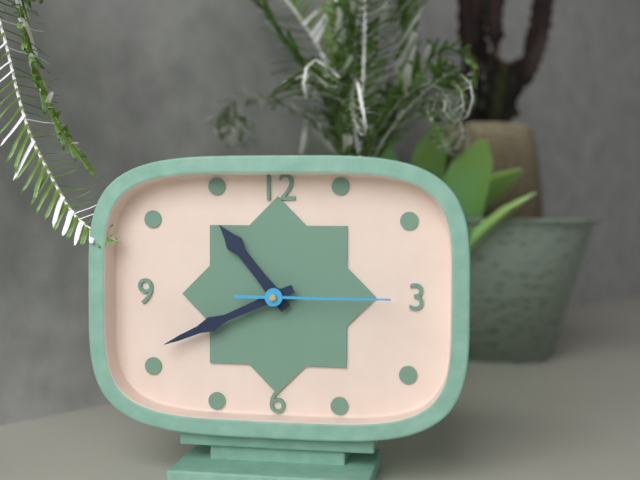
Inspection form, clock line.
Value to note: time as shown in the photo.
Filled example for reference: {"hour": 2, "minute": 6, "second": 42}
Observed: {"hour": 10, "minute": 41, "second": 15}
